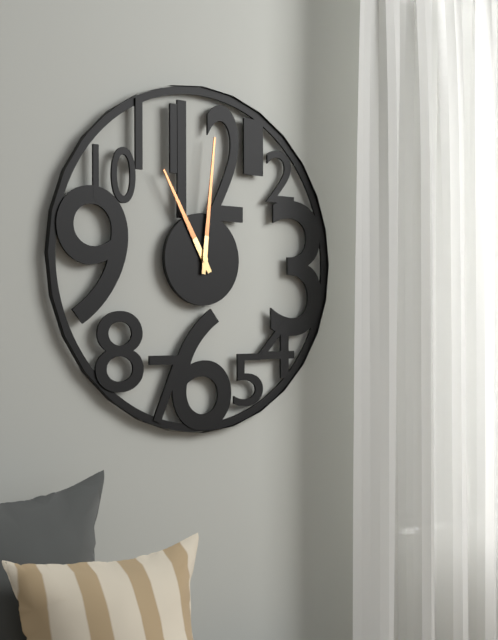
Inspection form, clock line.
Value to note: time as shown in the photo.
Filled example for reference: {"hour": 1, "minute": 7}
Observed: {"hour": 11, "minute": 1}
